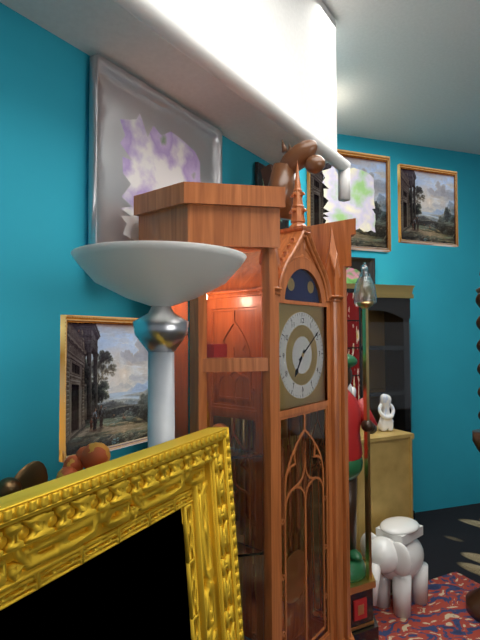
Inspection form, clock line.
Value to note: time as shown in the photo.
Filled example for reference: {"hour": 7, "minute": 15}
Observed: {"hour": 7, "minute": 9}
